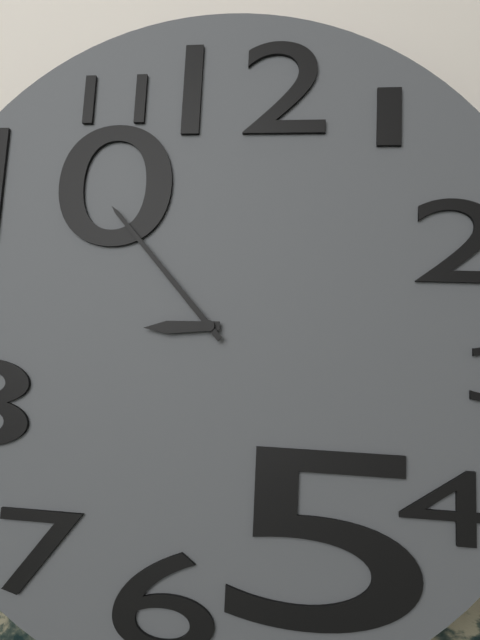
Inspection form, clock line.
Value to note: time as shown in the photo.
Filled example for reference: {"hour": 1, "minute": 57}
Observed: {"hour": 8, "minute": 53}
